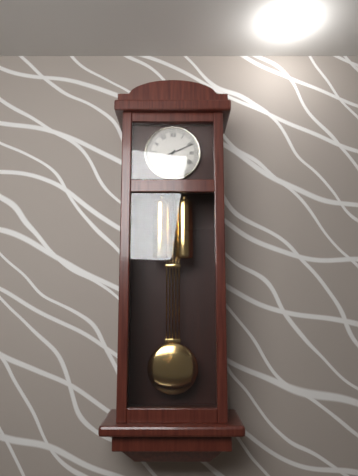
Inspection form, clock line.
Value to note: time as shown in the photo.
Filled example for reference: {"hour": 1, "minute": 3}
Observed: {"hour": 7, "minute": 11}
